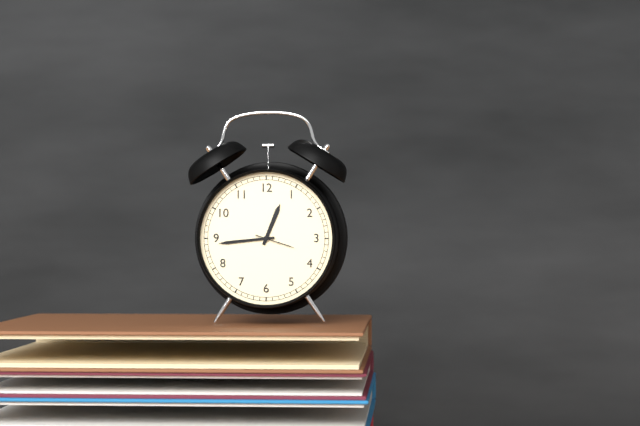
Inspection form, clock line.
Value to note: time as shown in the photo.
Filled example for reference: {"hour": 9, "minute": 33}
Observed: {"hour": 12, "minute": 44}
